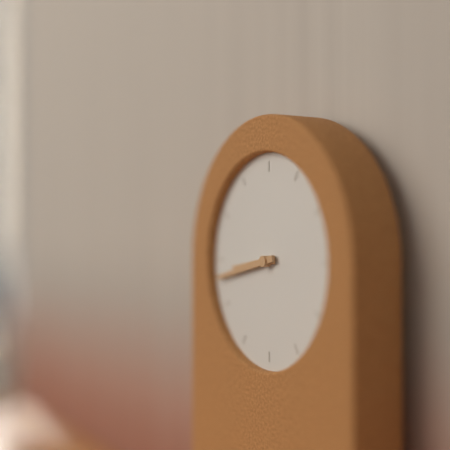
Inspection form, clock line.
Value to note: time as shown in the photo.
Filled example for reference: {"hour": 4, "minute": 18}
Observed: {"hour": 8, "minute": 43}
